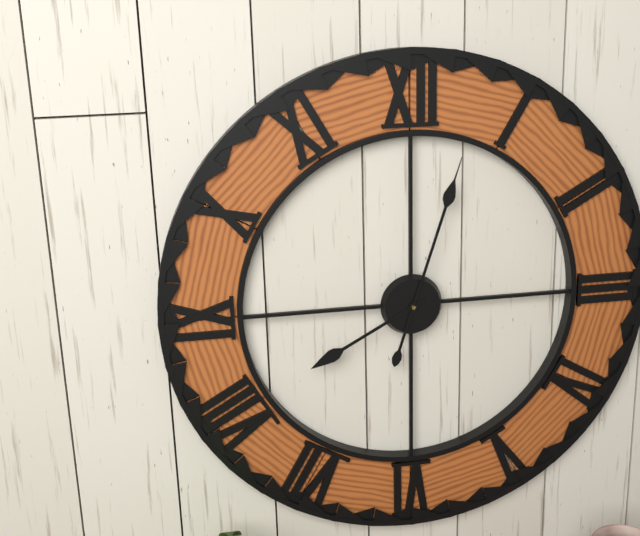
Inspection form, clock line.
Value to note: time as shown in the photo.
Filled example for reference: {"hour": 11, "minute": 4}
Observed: {"hour": 8, "minute": 3}
